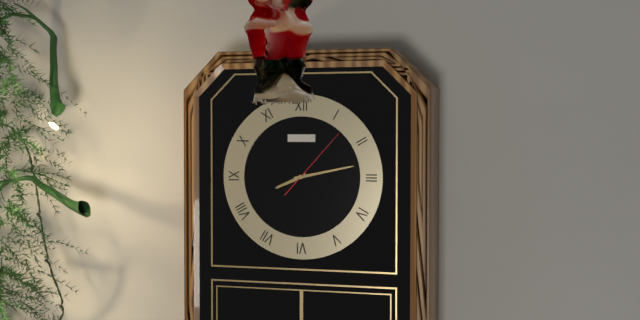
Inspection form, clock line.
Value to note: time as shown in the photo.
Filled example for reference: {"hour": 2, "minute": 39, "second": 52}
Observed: {"hour": 8, "minute": 13, "second": 7}
